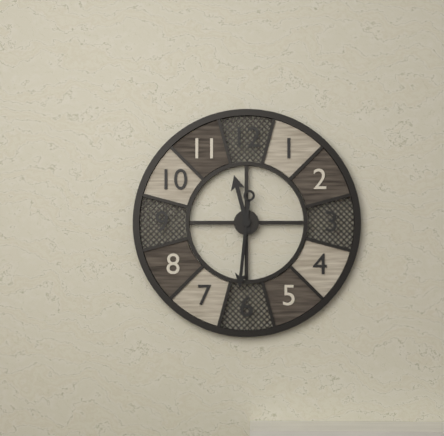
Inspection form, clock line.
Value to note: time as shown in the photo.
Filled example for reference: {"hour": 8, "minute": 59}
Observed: {"hour": 11, "minute": 31}
